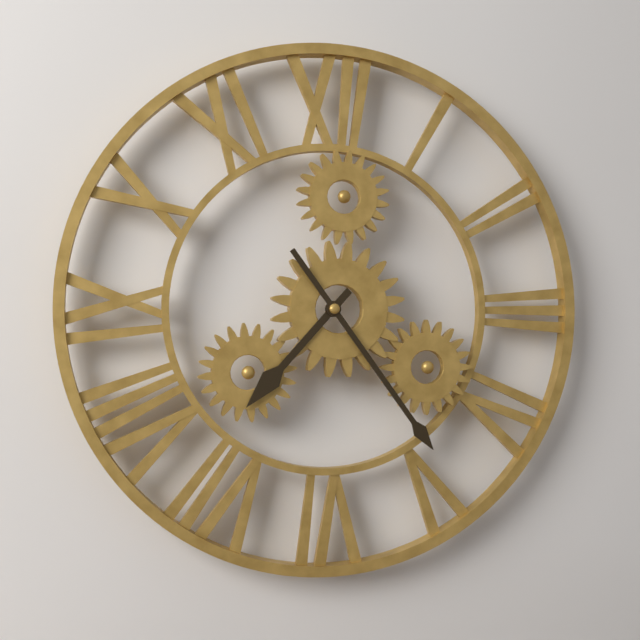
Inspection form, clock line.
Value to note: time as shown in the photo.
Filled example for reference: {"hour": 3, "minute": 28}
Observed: {"hour": 7, "minute": 24}
